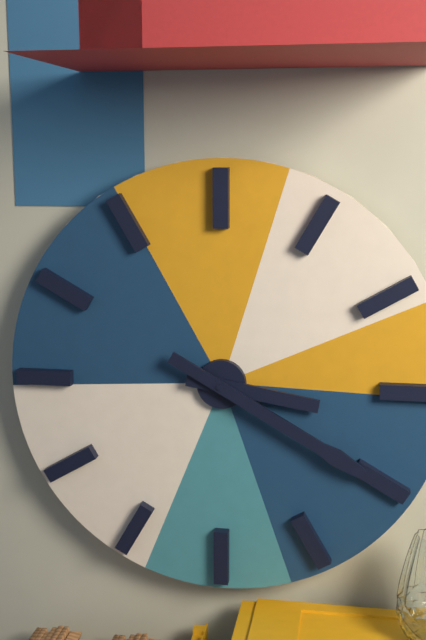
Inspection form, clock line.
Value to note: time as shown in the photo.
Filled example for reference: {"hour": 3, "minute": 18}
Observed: {"hour": 3, "minute": 20}
